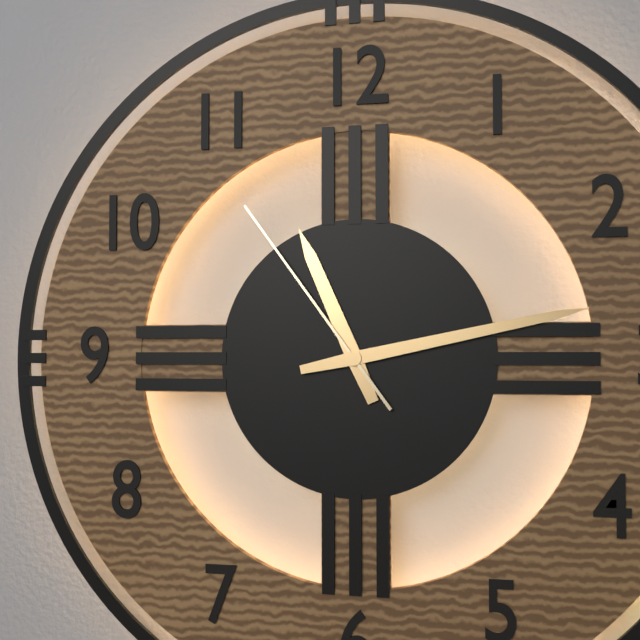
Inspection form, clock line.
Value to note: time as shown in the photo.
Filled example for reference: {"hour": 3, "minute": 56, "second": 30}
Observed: {"hour": 11, "minute": 13, "second": 54}
